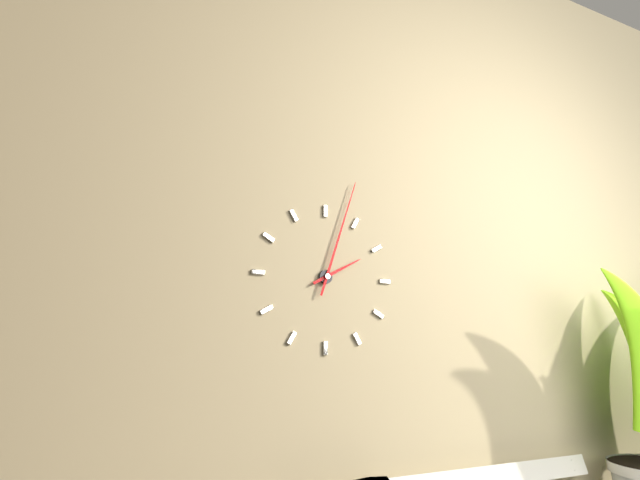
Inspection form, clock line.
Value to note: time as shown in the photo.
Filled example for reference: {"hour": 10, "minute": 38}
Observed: {"hour": 2, "minute": 3}
